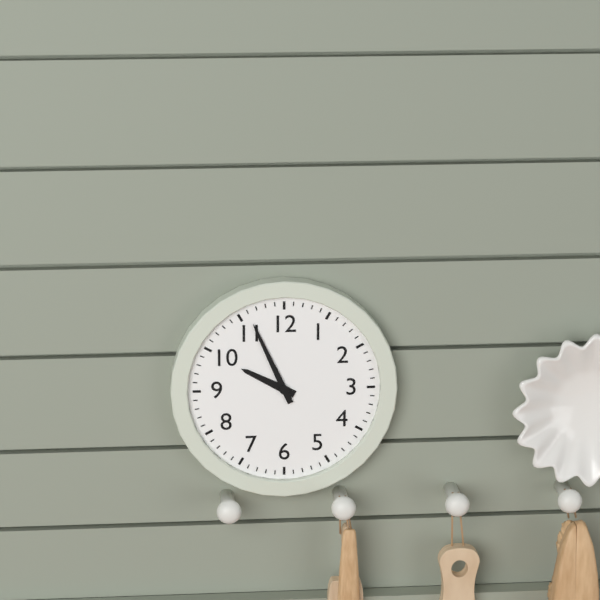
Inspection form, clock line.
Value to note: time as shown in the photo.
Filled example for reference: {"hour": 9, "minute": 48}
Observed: {"hour": 9, "minute": 56}
